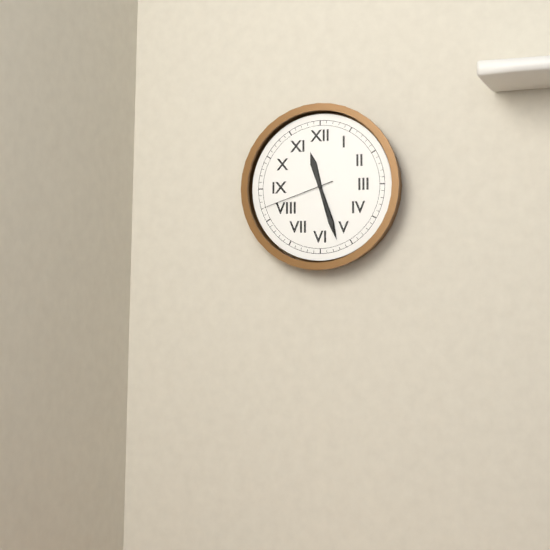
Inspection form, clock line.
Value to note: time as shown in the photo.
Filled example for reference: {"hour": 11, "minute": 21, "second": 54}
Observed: {"hour": 11, "minute": 27, "second": 42}
